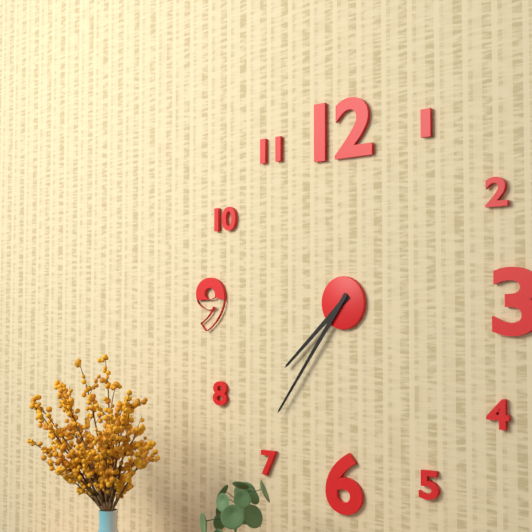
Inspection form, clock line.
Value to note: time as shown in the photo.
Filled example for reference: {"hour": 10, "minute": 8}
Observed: {"hour": 7, "minute": 36}
